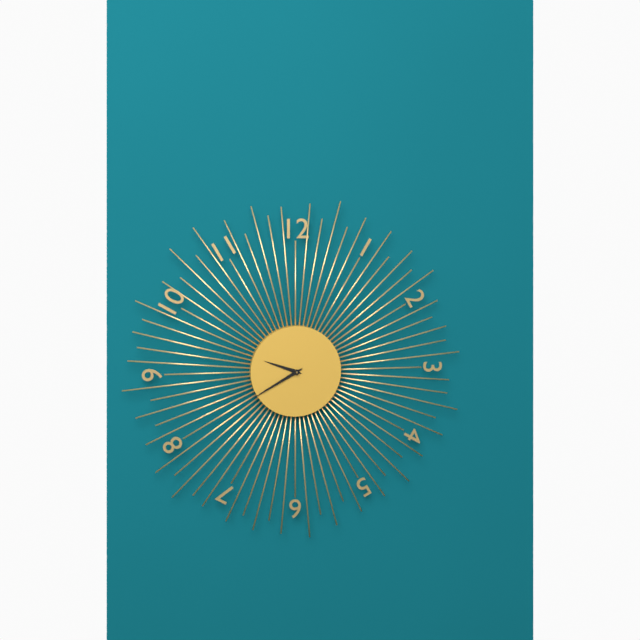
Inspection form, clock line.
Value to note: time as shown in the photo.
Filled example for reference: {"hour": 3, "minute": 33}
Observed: {"hour": 9, "minute": 40}
